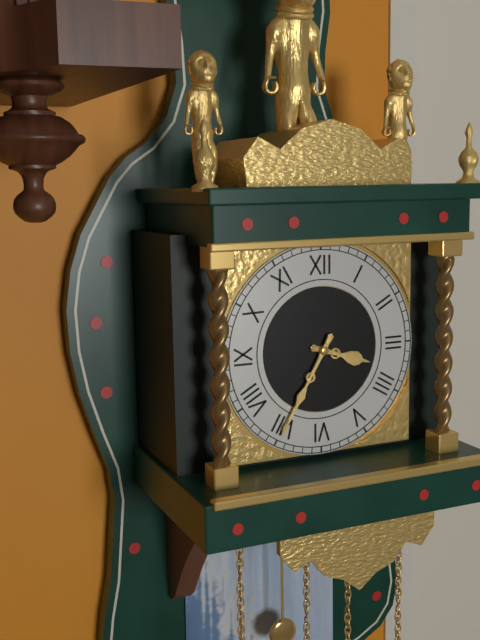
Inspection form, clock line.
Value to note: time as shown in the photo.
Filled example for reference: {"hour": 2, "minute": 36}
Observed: {"hour": 3, "minute": 35}
